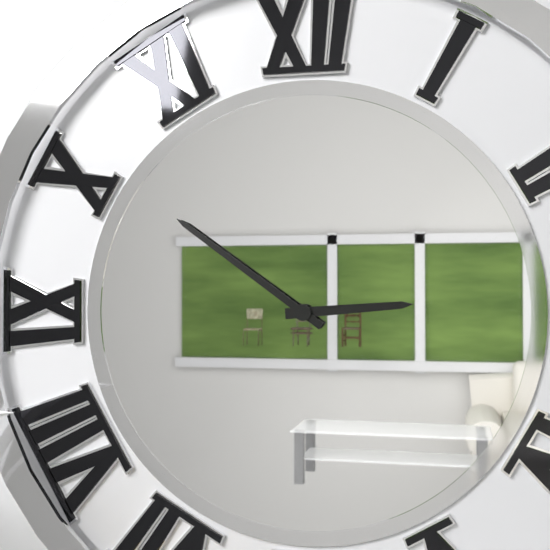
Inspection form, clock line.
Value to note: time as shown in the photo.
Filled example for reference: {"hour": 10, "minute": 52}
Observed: {"hour": 2, "minute": 51}
